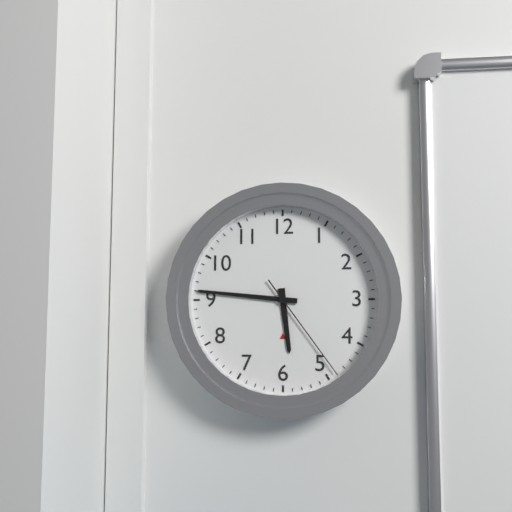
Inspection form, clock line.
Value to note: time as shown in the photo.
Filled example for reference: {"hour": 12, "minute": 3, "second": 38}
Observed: {"hour": 5, "minute": 46, "second": 24}
